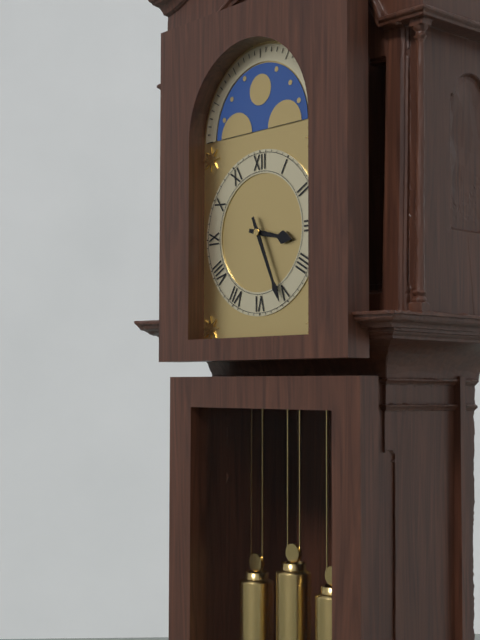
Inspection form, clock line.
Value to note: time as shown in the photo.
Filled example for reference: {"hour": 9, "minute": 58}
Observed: {"hour": 3, "minute": 26}
